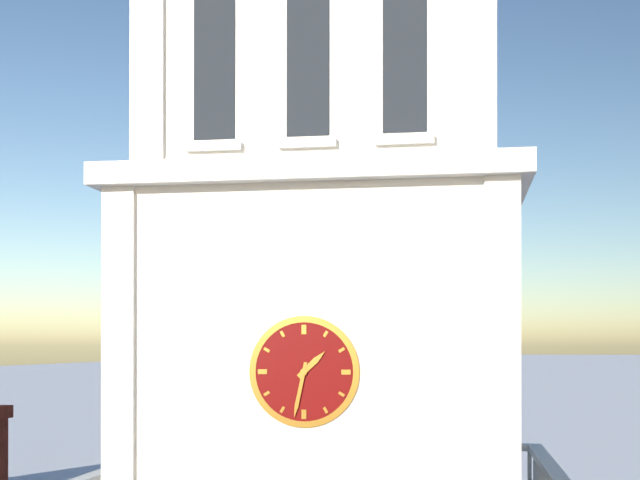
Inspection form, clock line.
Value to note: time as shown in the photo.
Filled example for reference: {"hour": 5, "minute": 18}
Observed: {"hour": 1, "minute": 32}
